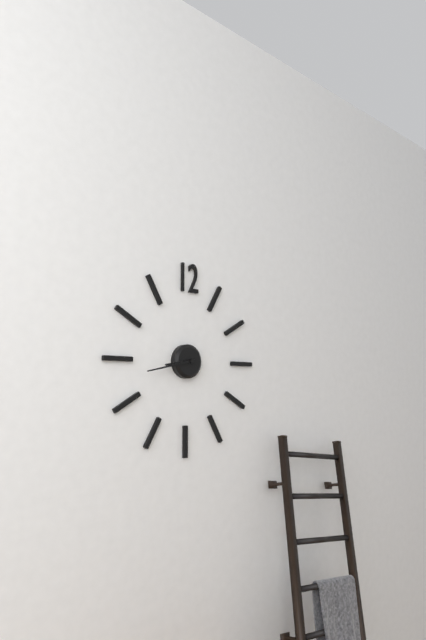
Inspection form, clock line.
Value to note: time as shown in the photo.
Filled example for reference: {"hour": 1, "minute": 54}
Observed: {"hour": 8, "minute": 43}
